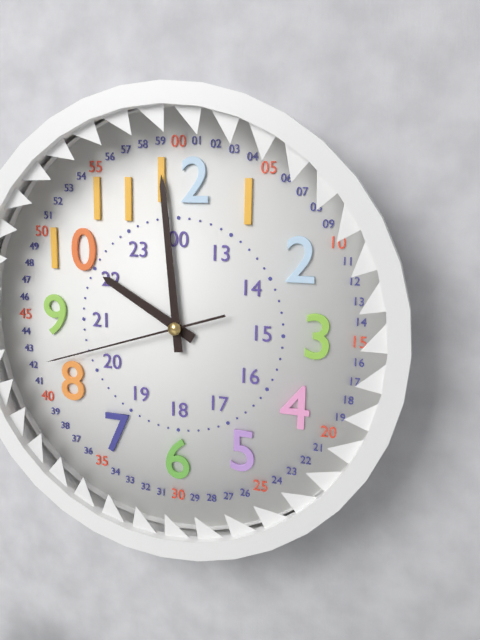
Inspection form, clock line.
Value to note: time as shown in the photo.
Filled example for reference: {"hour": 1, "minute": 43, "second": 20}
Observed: {"hour": 9, "minute": 59, "second": 42}
